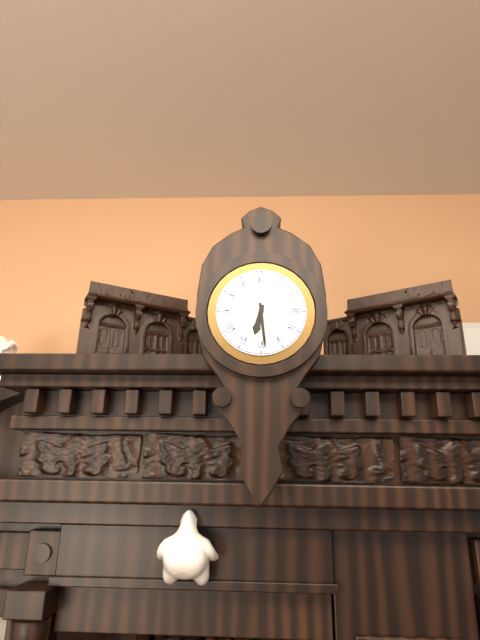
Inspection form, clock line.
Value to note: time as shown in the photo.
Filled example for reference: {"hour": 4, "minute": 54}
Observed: {"hour": 6, "minute": 29}
